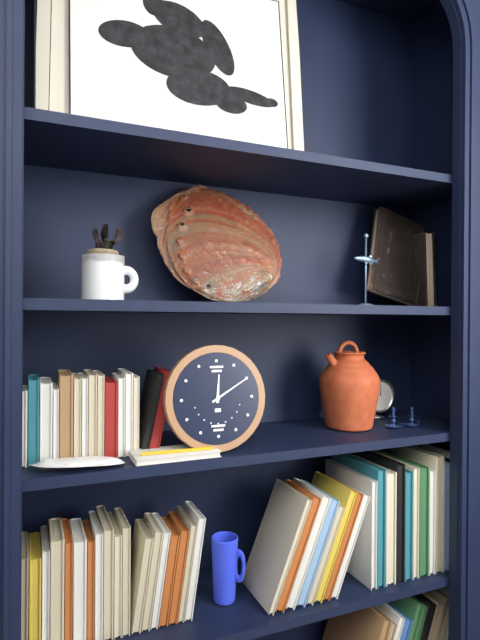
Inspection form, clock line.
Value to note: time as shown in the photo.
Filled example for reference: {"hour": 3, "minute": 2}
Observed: {"hour": 12, "minute": 10}
